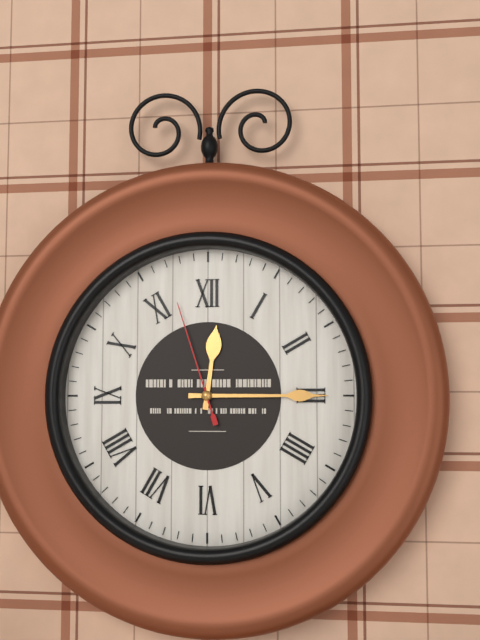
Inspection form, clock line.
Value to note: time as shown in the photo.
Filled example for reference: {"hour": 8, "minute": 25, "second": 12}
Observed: {"hour": 12, "minute": 15, "second": 57}
